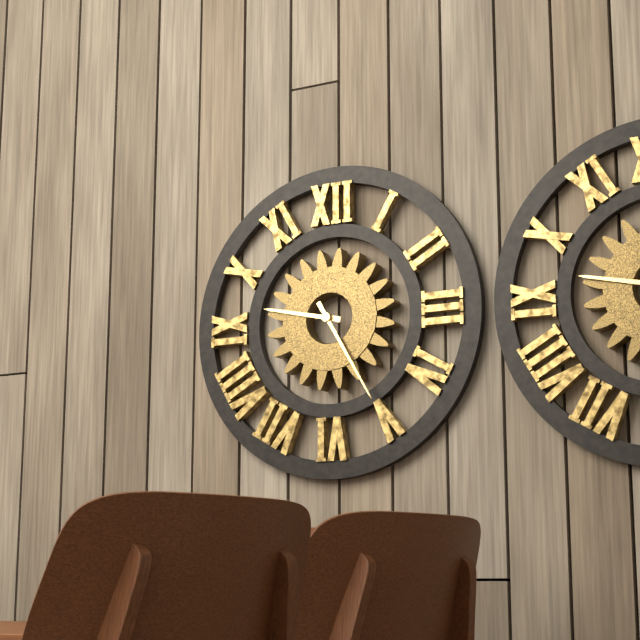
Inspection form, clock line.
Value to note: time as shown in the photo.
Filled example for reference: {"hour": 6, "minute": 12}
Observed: {"hour": 9, "minute": 25}
